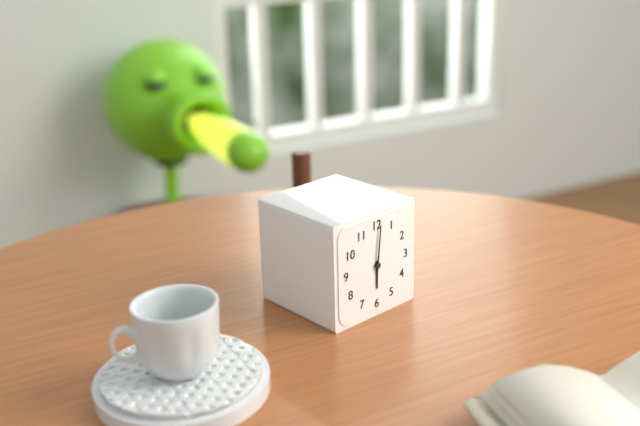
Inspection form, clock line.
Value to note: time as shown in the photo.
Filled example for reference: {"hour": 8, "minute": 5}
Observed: {"hour": 6, "minute": 1}
